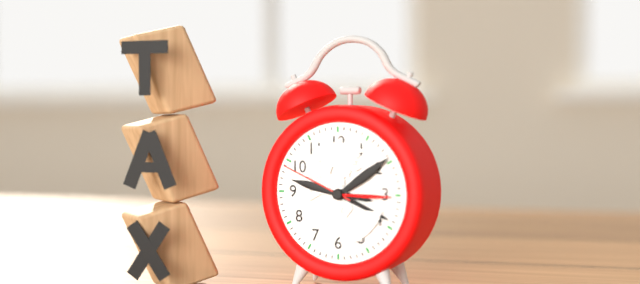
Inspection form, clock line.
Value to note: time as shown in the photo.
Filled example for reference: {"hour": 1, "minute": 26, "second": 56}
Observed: {"hour": 3, "minute": 19, "second": 49}
